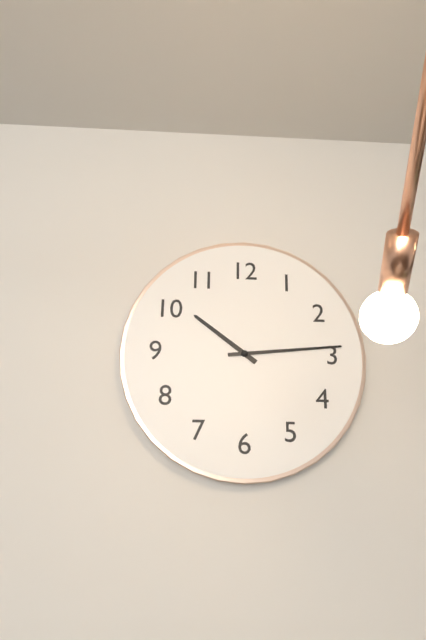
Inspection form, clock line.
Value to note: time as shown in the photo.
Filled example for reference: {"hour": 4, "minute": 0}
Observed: {"hour": 10, "minute": 14}
